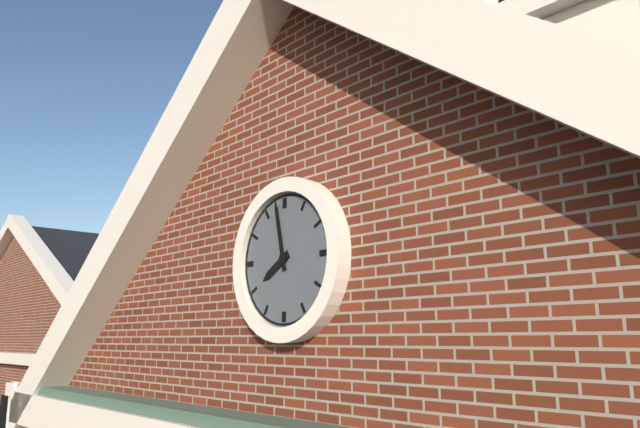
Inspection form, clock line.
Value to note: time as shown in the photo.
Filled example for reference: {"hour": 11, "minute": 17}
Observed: {"hour": 7, "minute": 58}
